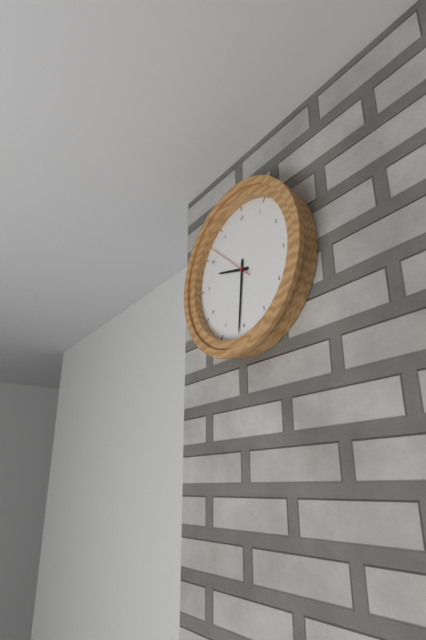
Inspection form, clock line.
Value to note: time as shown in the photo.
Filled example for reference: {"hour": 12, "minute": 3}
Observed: {"hour": 9, "minute": 31}
